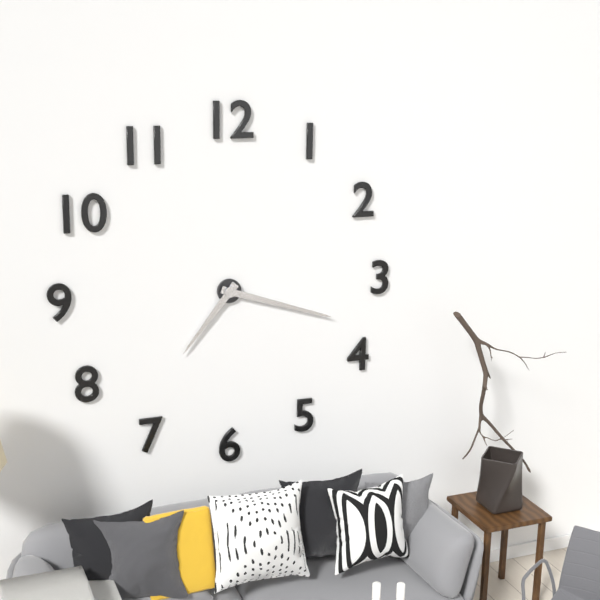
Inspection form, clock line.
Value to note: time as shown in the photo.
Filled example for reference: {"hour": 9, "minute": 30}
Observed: {"hour": 7, "minute": 18}
